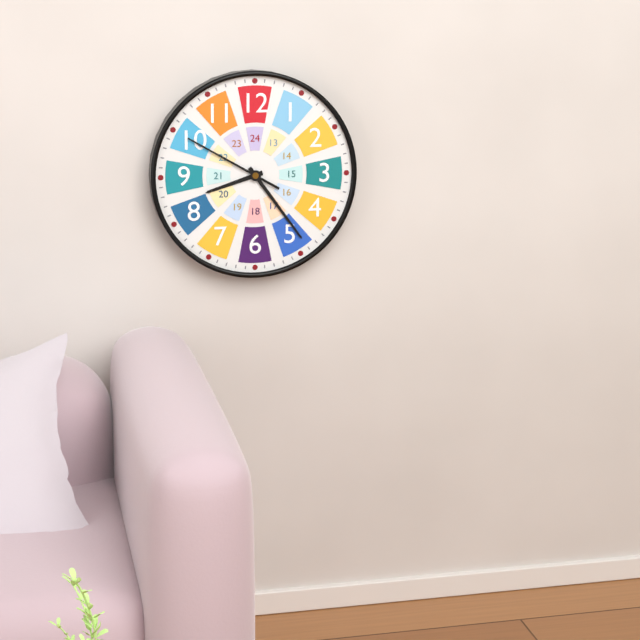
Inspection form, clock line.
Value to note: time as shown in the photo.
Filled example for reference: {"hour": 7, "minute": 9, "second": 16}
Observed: {"hour": 8, "minute": 24, "second": 50}
